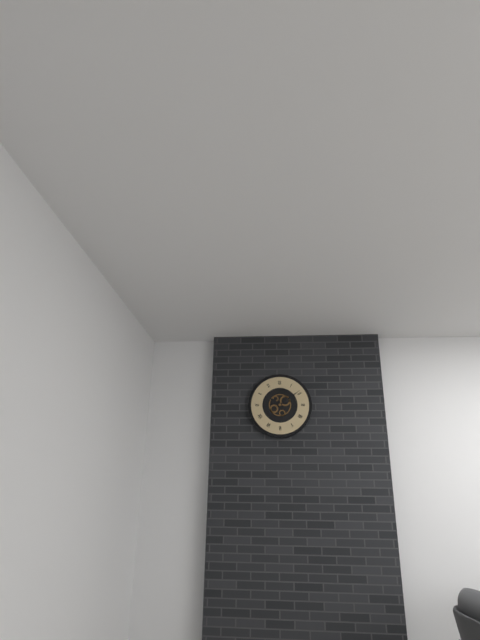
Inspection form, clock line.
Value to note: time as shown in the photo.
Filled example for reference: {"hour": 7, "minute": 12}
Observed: {"hour": 10, "minute": 9}
